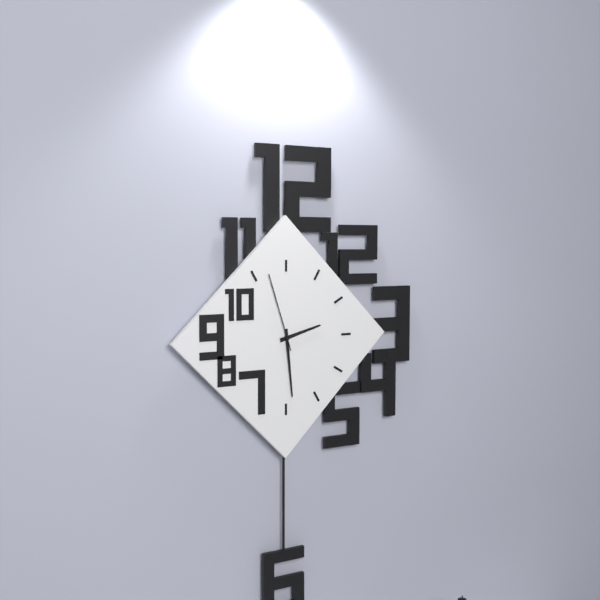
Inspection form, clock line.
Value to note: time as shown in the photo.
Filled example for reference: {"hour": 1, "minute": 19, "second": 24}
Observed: {"hour": 2, "minute": 29, "second": 57}
